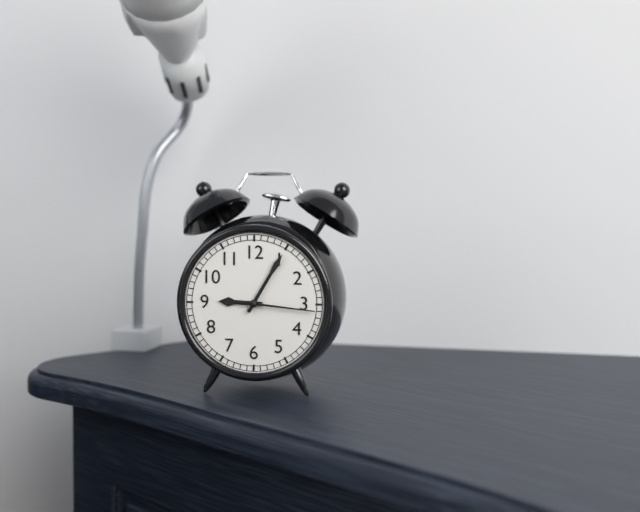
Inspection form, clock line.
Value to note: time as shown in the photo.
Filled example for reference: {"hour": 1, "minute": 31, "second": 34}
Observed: {"hour": 9, "minute": 5, "second": 16}
